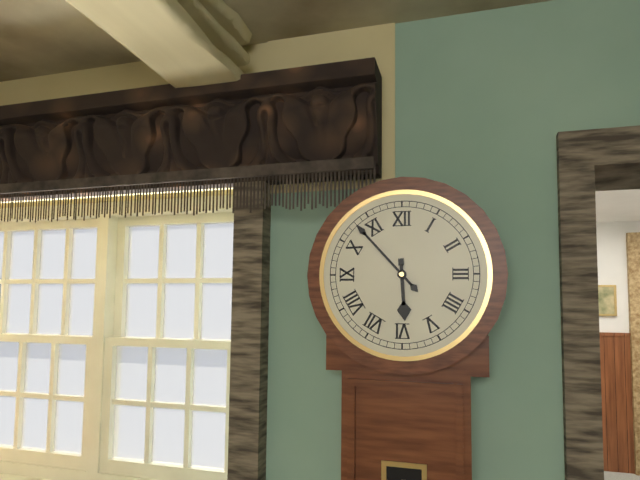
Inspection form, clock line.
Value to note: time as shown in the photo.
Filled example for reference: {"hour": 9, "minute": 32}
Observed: {"hour": 5, "minute": 53}
